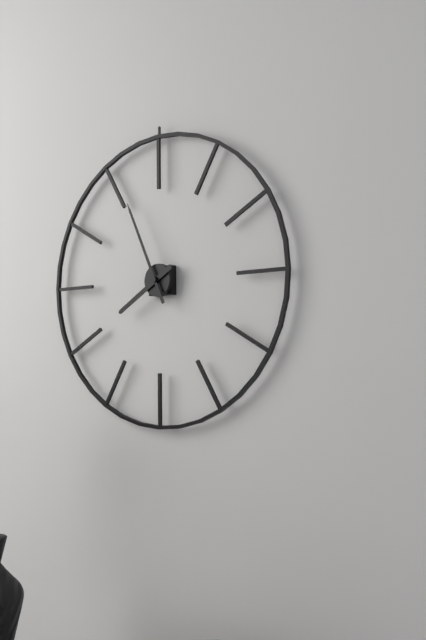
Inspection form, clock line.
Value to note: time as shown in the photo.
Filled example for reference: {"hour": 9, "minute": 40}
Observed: {"hour": 7, "minute": 56}
